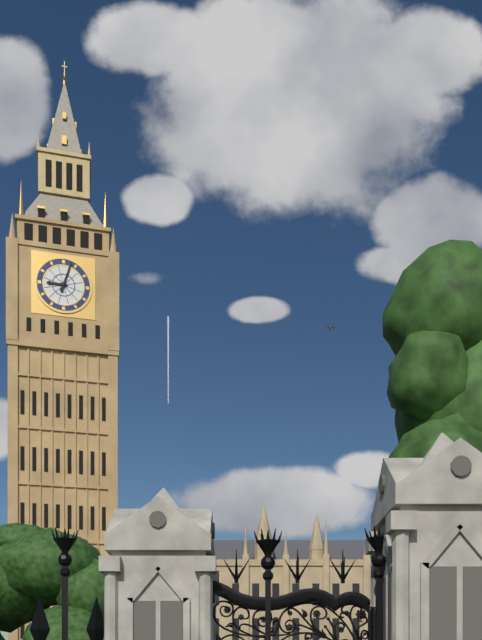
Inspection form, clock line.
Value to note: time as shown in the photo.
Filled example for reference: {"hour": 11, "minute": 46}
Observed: {"hour": 9, "minute": 3}
